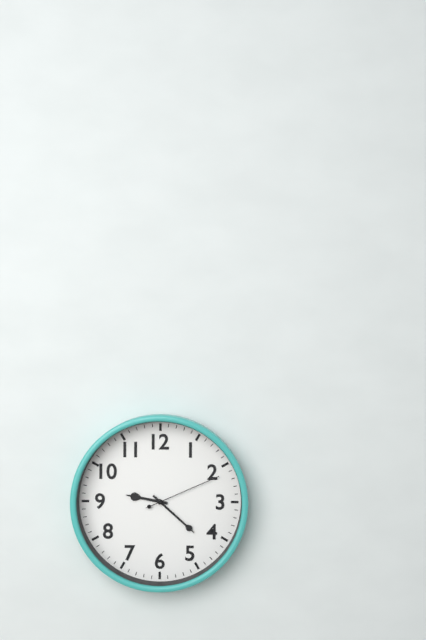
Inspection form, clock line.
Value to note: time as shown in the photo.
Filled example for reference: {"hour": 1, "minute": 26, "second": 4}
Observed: {"hour": 9, "minute": 22, "second": 11}
